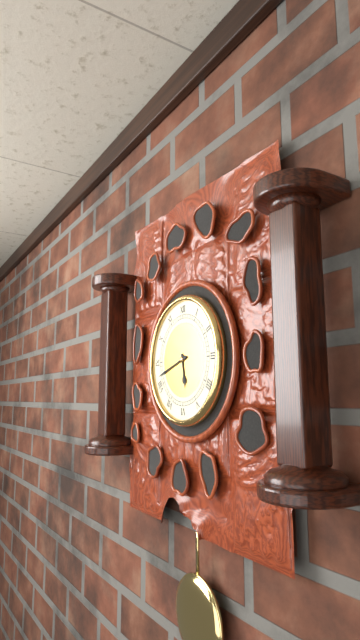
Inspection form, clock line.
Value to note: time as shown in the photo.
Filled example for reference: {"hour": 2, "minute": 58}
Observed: {"hour": 5, "minute": 42}
